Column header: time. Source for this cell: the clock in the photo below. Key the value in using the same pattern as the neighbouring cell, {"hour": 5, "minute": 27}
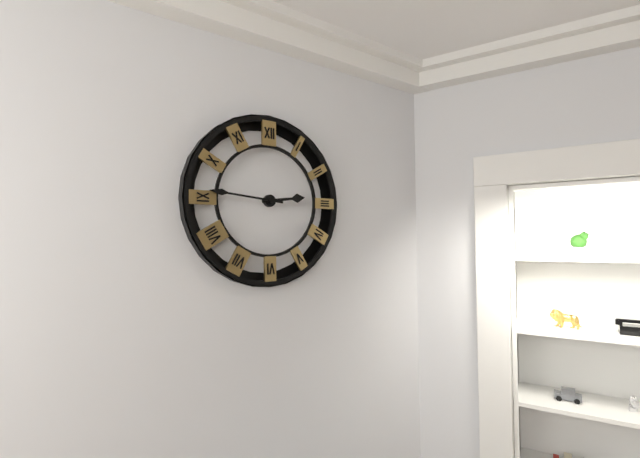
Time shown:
{"hour": 2, "minute": 46}
